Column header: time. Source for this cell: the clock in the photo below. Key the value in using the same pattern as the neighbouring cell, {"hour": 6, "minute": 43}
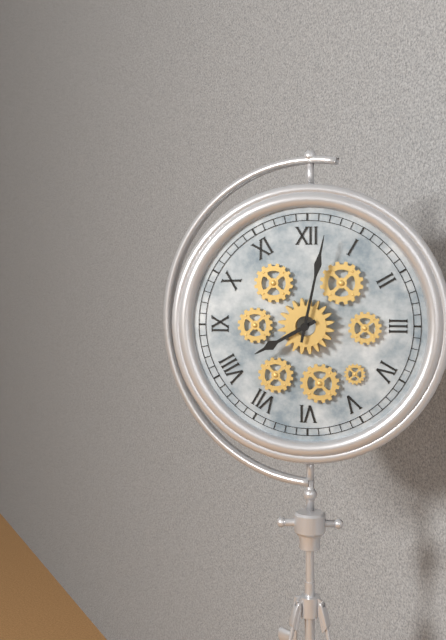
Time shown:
{"hour": 8, "minute": 2}
